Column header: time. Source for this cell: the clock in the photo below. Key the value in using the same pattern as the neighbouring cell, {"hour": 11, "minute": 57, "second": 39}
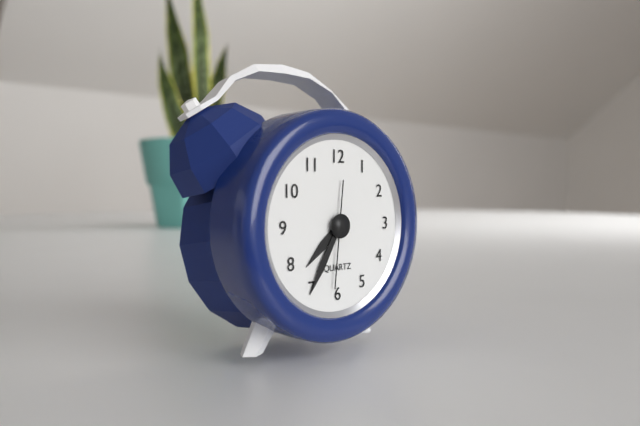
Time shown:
{"hour": 7, "minute": 35, "second": 31}
